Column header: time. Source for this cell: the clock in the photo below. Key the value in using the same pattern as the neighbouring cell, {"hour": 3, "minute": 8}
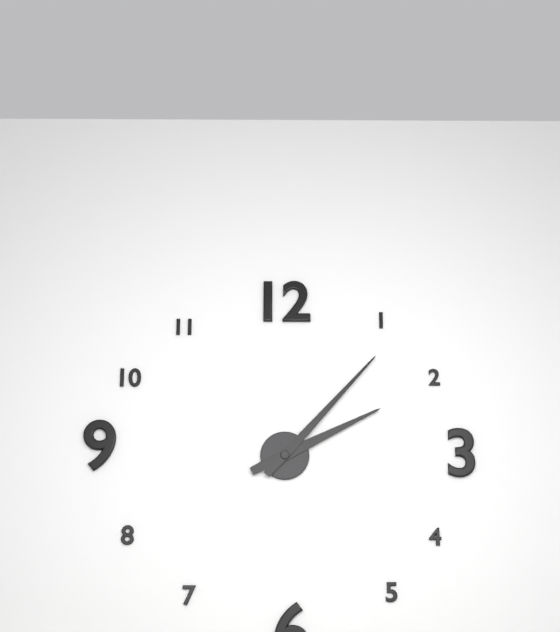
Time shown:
{"hour": 2, "minute": 7}
